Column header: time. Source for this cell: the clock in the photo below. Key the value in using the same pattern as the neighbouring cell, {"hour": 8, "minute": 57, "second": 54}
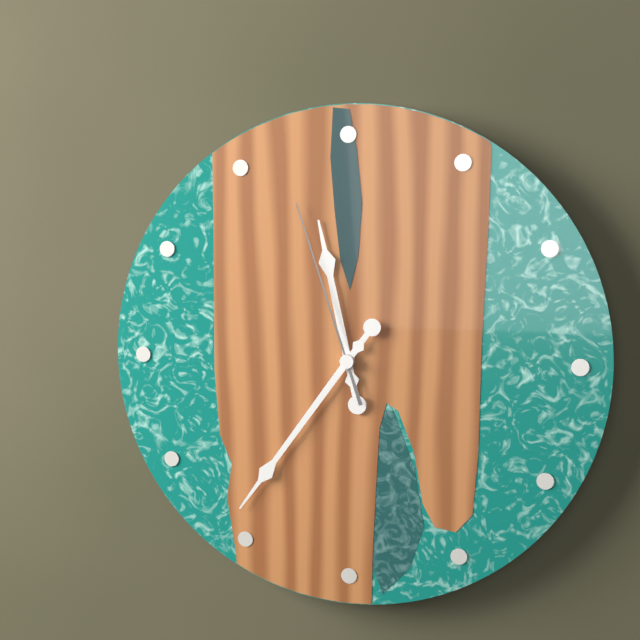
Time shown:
{"hour": 11, "minute": 36, "second": 57}
